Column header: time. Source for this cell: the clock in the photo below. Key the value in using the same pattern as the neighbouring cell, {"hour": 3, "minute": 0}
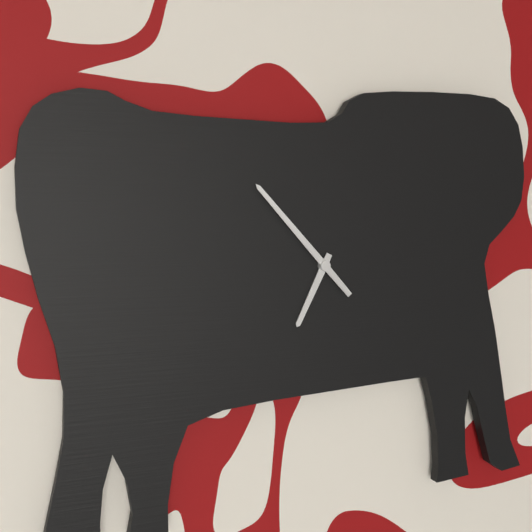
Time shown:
{"hour": 6, "minute": 53}
